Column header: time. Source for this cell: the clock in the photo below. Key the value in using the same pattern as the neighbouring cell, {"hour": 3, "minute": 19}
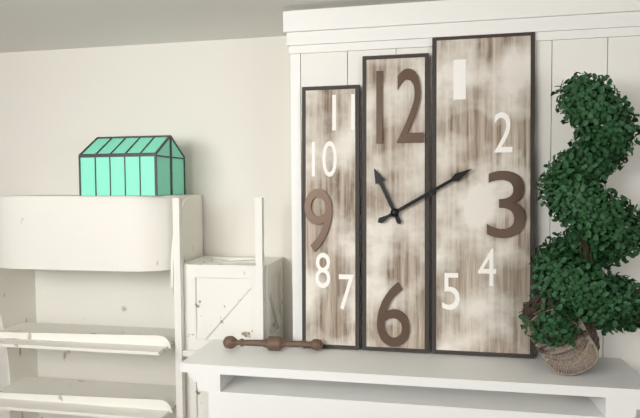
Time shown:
{"hour": 11, "minute": 10}
